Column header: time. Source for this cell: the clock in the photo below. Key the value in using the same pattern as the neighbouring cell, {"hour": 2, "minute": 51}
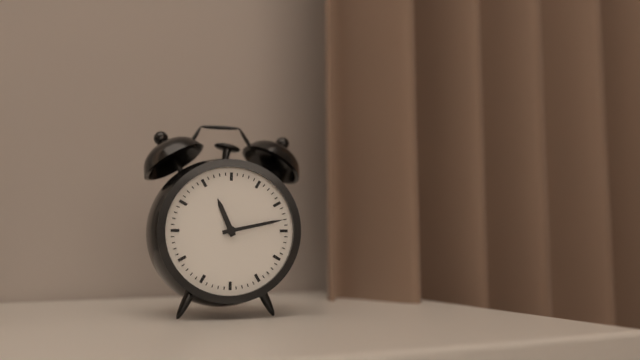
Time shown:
{"hour": 11, "minute": 13}
